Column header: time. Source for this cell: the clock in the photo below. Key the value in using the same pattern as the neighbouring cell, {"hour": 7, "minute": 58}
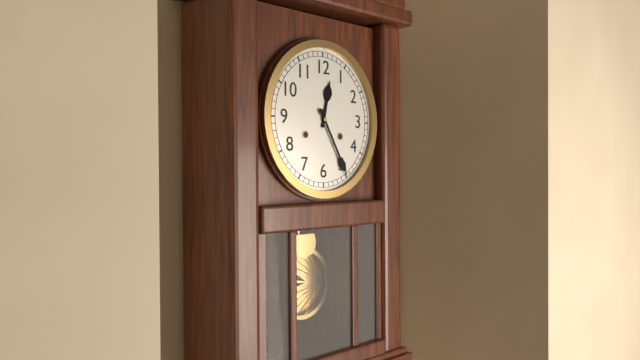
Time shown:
{"hour": 12, "minute": 25}
